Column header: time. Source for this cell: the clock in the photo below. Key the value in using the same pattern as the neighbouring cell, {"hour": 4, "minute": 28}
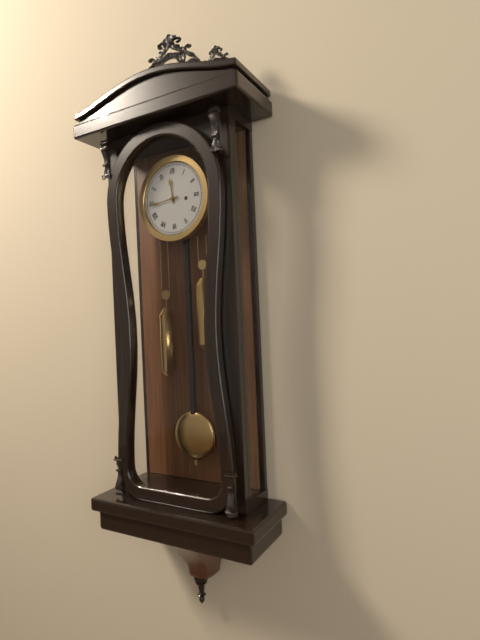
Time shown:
{"hour": 11, "minute": 44}
